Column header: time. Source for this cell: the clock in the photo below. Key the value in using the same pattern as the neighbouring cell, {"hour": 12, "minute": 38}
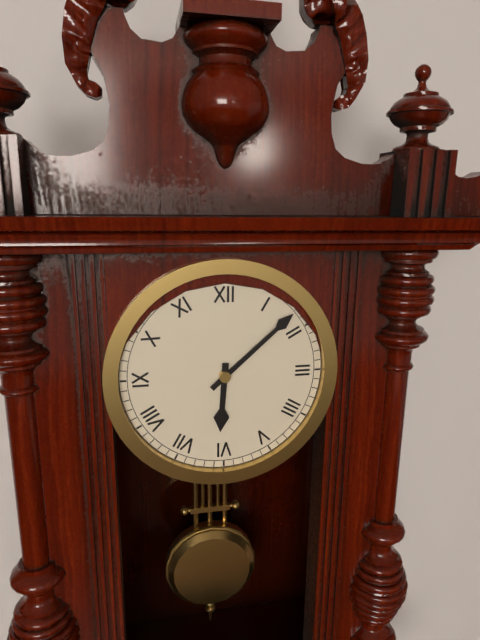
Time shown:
{"hour": 6, "minute": 8}
